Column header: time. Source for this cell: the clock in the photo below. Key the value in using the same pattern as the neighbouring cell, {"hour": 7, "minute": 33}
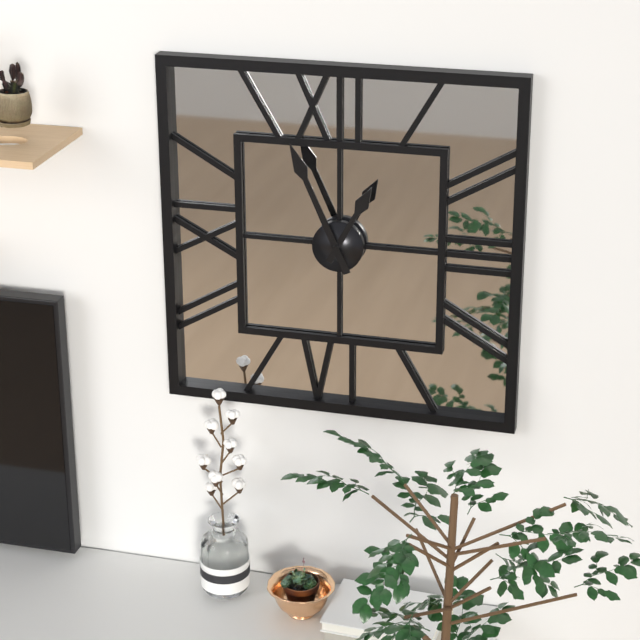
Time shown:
{"hour": 12, "minute": 56}
